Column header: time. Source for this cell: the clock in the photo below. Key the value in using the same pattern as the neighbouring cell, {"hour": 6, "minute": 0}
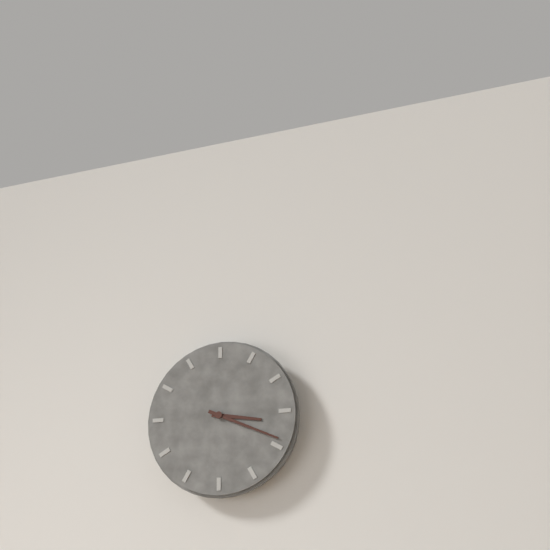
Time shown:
{"hour": 3, "minute": 19}
